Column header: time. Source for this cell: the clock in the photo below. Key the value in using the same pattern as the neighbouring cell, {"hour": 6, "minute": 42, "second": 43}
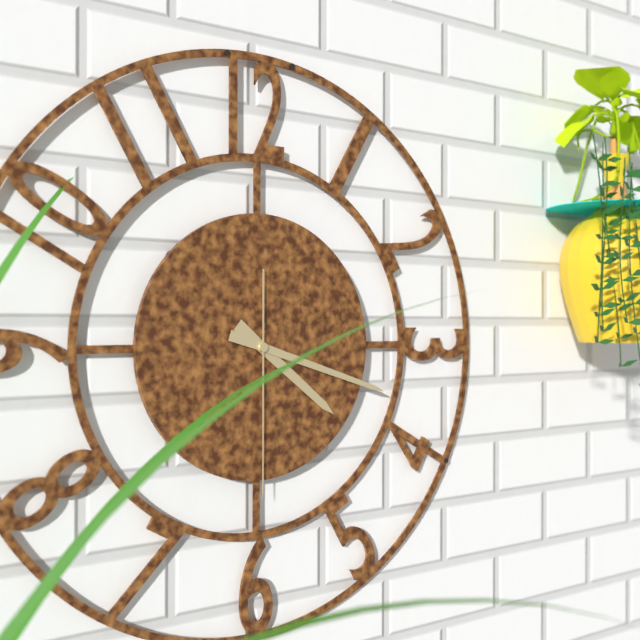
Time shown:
{"hour": 4, "minute": 18, "second": 30}
